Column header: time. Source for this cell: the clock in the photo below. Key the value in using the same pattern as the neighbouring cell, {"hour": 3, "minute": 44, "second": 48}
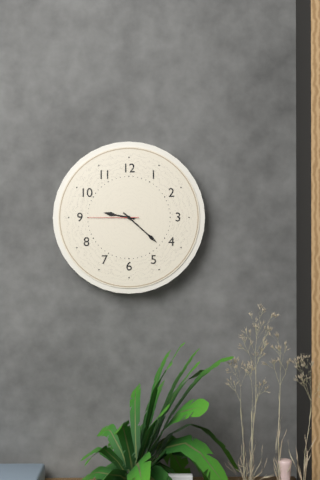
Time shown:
{"hour": 9, "minute": 22, "second": 45}
